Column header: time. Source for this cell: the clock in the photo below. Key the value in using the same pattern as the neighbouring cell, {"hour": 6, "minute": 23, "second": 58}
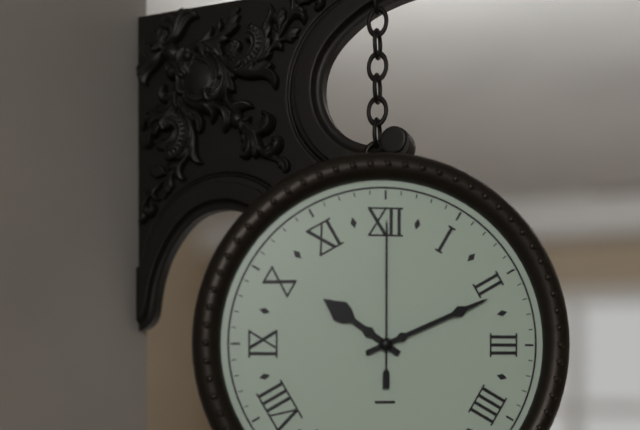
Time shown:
{"hour": 10, "minute": 11, "second": 0}
